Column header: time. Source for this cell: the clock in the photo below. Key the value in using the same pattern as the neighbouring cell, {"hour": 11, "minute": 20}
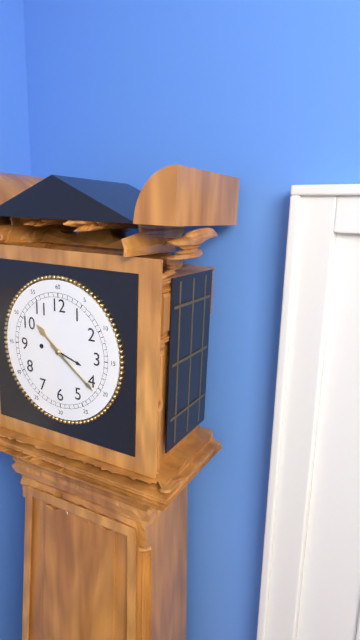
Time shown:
{"hour": 10, "minute": 21}
